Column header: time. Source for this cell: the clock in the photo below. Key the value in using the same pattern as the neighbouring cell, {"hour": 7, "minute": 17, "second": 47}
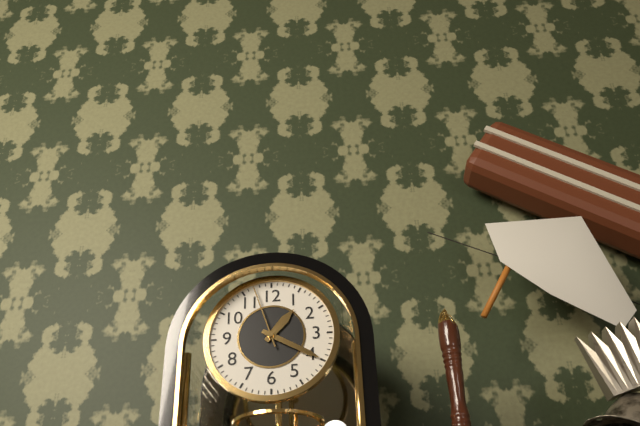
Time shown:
{"hour": 1, "minute": 20, "second": 57}
